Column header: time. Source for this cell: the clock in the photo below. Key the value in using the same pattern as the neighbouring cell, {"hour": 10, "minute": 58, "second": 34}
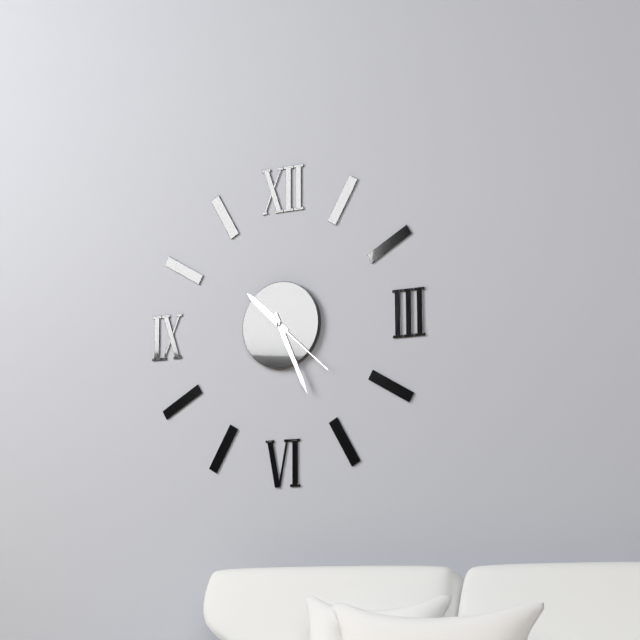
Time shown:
{"hour": 10, "minute": 26, "second": 22}
